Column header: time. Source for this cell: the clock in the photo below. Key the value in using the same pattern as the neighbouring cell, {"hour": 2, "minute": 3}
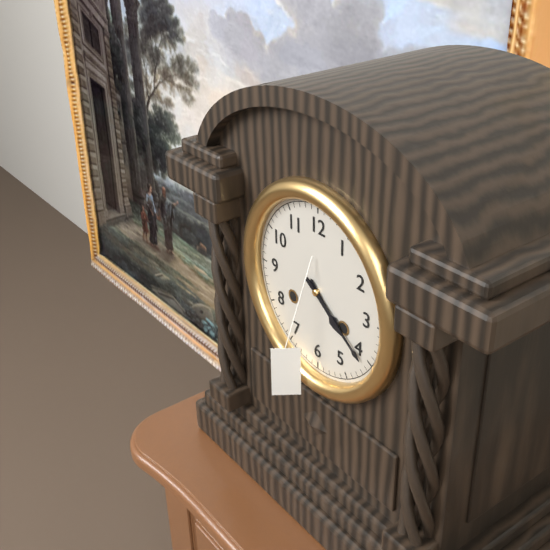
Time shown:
{"hour": 4, "minute": 21}
